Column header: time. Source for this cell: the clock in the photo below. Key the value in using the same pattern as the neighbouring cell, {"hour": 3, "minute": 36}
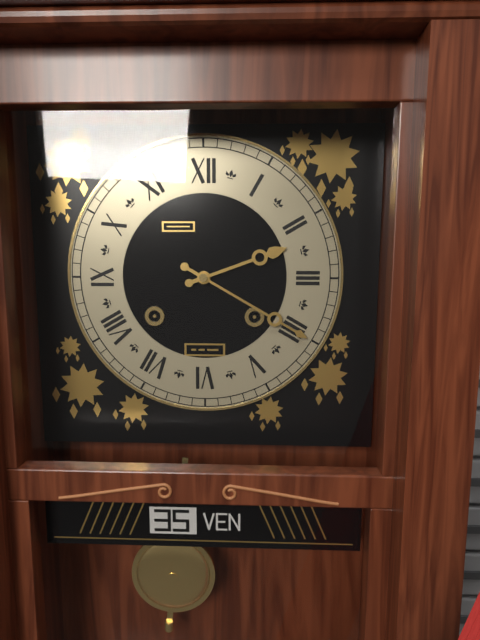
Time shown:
{"hour": 2, "minute": 20}
